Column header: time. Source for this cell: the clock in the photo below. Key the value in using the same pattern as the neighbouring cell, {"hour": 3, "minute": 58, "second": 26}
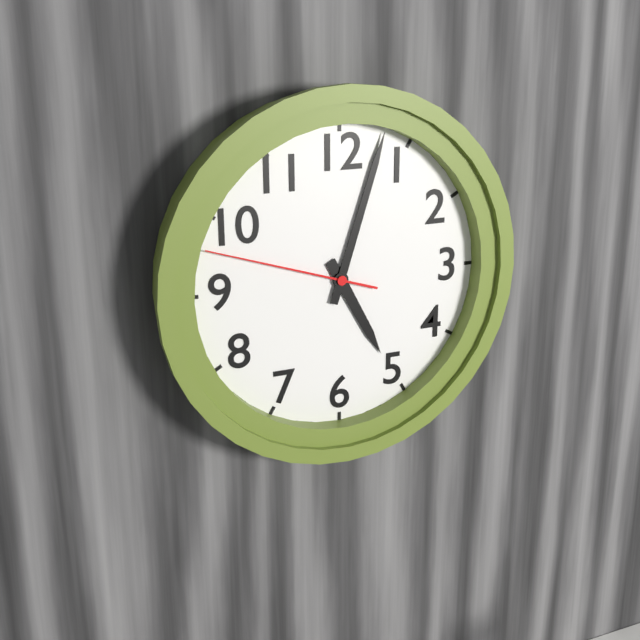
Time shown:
{"hour": 5, "minute": 3, "second": 48}
